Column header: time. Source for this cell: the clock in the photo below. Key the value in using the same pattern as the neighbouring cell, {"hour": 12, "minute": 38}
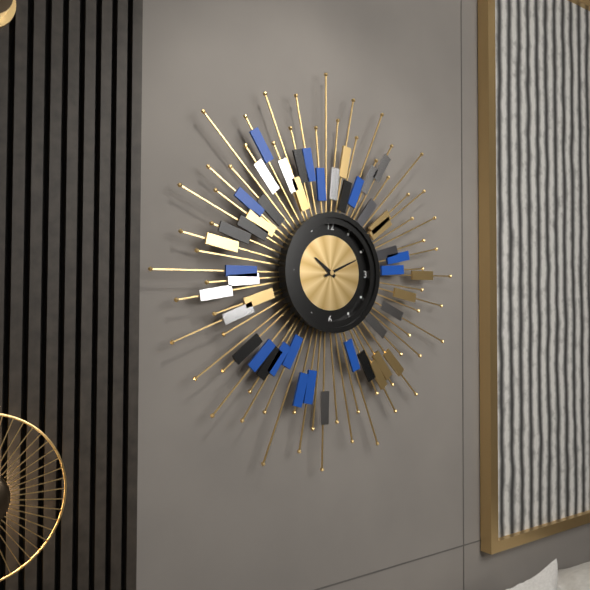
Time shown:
{"hour": 10, "minute": 11}
